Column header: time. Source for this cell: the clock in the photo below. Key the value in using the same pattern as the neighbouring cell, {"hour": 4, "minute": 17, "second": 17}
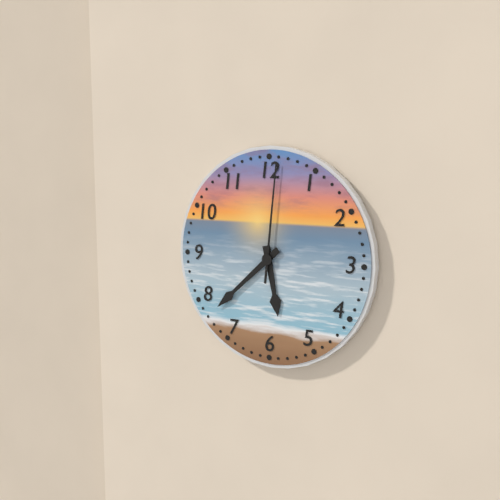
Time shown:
{"hour": 5, "minute": 38, "second": 1}
